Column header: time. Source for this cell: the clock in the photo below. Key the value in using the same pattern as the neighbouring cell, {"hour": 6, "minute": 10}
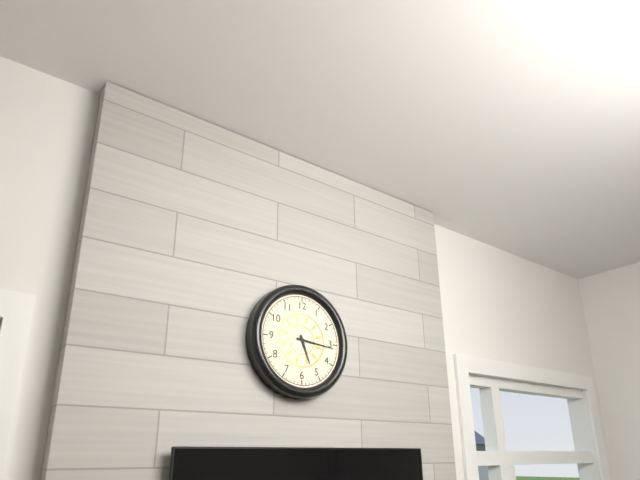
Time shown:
{"hour": 5, "minute": 16}
